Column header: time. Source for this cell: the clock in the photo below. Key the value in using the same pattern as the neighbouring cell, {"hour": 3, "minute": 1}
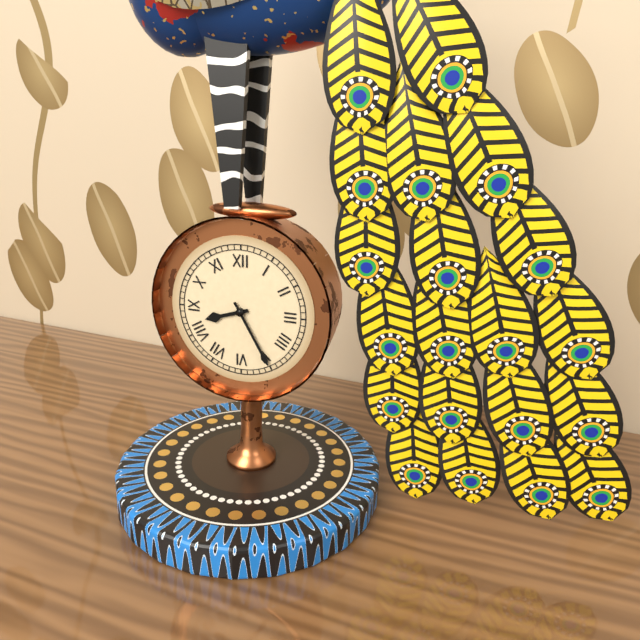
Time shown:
{"hour": 8, "minute": 25}
